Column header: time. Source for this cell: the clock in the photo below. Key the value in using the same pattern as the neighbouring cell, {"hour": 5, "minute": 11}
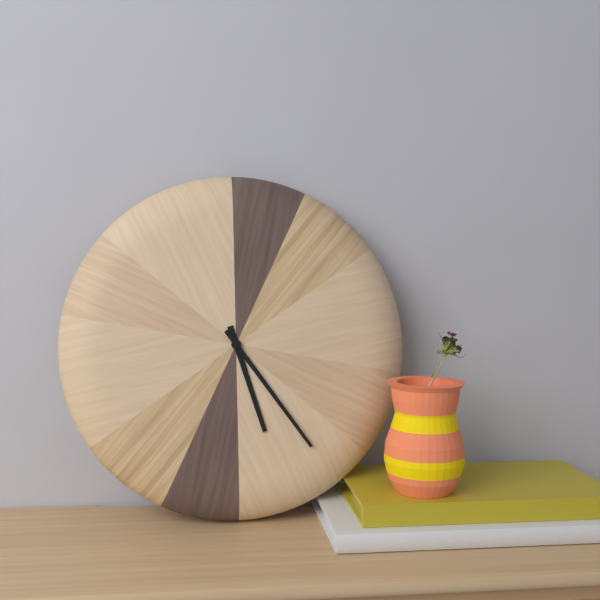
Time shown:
{"hour": 5, "minute": 24}
